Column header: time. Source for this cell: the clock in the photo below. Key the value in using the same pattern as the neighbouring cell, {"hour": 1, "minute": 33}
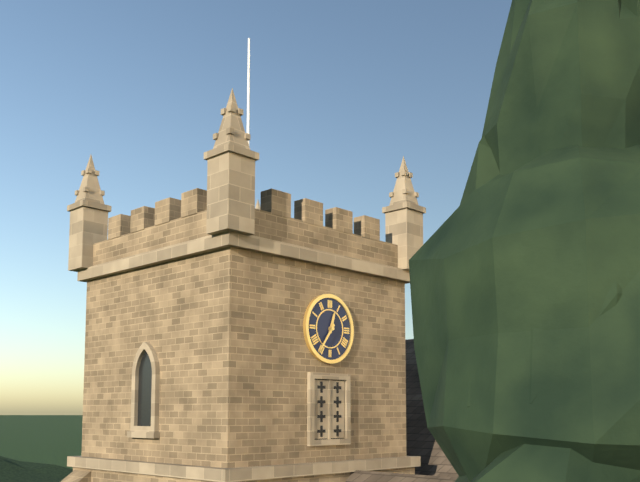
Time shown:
{"hour": 12, "minute": 36}
